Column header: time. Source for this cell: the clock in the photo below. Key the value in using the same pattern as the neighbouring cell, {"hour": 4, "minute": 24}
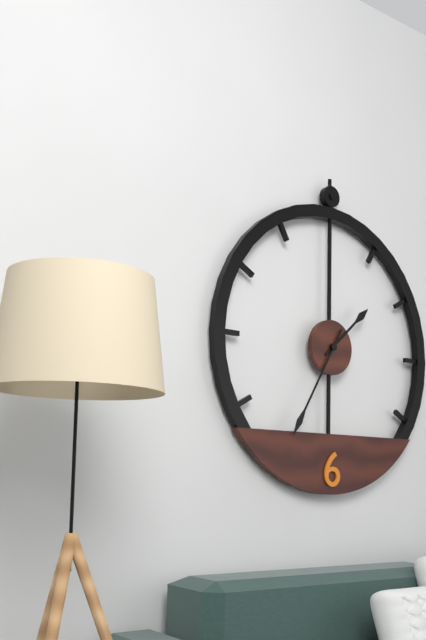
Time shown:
{"hour": 1, "minute": 35}
